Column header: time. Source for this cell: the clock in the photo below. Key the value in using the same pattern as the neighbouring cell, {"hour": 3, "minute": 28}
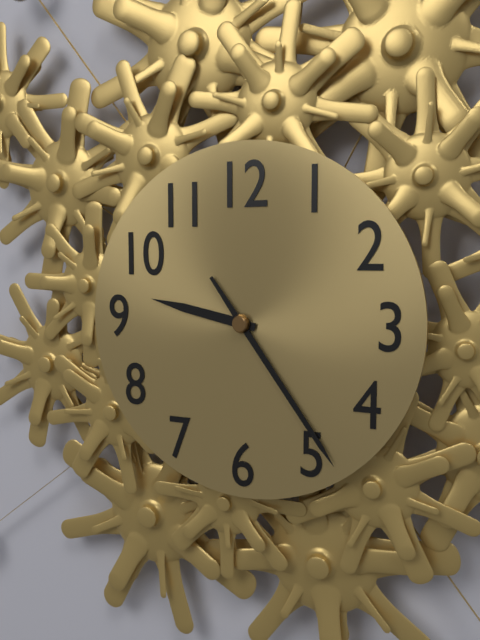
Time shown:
{"hour": 9, "minute": 24}
